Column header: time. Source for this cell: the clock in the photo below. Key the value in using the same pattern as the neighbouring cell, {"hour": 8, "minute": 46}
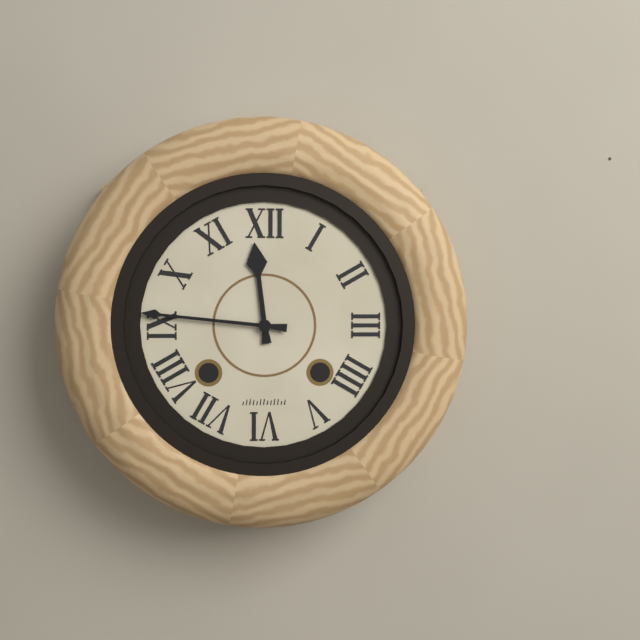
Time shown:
{"hour": 11, "minute": 46}
